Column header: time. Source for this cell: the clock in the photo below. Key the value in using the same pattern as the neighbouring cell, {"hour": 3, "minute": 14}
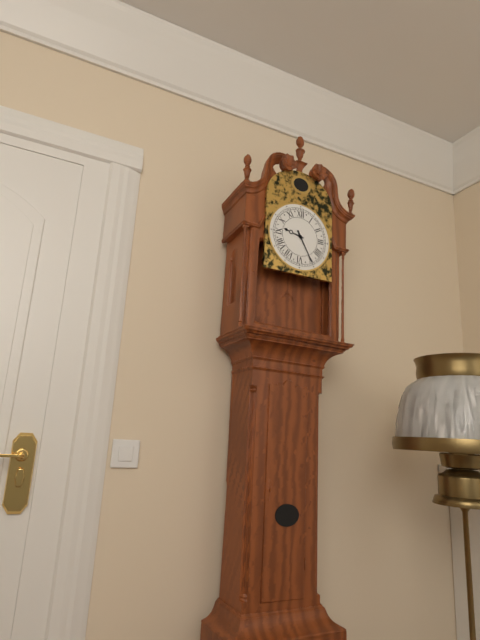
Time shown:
{"hour": 9, "minute": 25}
